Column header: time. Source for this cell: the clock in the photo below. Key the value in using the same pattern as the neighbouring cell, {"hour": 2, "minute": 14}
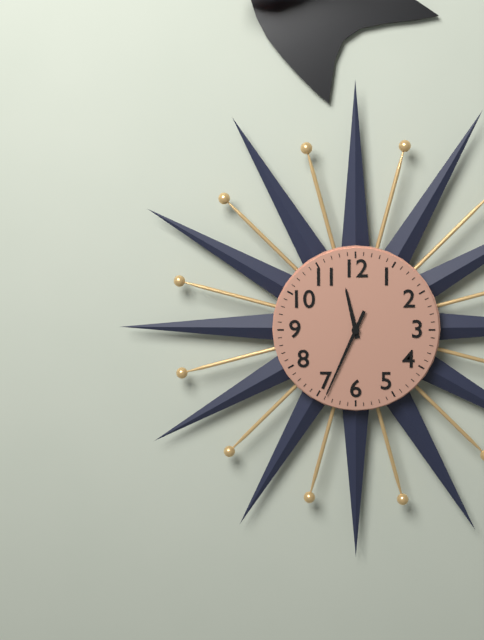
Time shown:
{"hour": 11, "minute": 34}
